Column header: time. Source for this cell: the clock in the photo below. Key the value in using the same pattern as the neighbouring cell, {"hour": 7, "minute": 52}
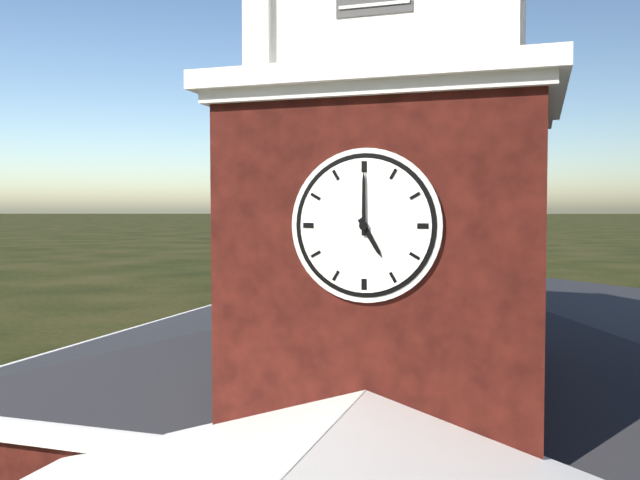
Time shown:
{"hour": 5, "minute": 0}
